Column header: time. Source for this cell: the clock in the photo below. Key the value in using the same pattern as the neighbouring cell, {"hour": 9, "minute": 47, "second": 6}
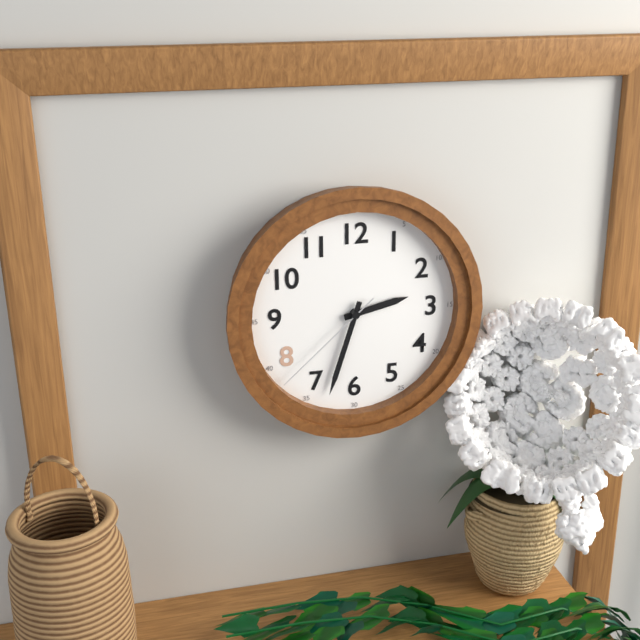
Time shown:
{"hour": 2, "minute": 33, "second": 38}
